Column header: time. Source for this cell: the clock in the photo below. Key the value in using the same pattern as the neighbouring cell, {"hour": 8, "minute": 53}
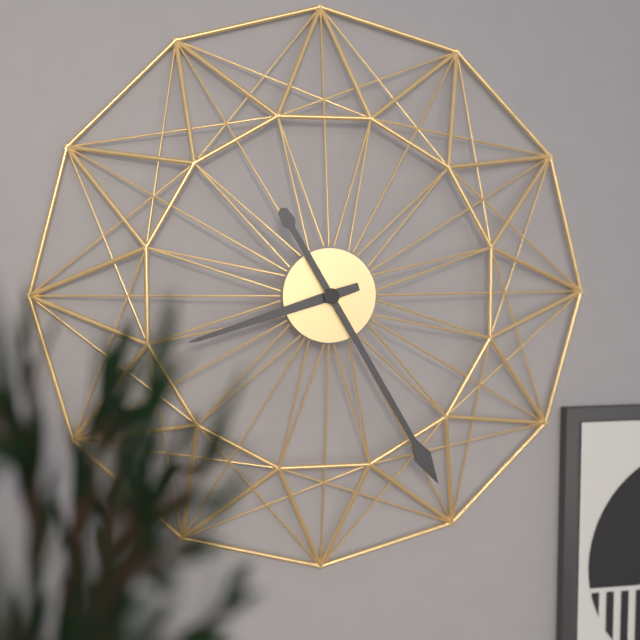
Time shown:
{"hour": 8, "minute": 25}
